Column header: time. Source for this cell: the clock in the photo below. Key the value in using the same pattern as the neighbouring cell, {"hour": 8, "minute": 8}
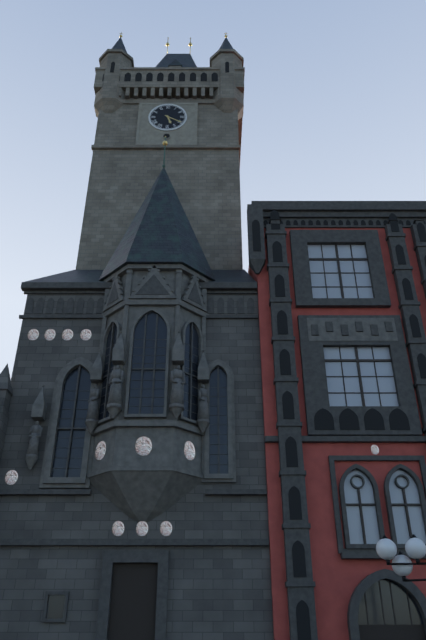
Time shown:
{"hour": 5, "minute": 20}
